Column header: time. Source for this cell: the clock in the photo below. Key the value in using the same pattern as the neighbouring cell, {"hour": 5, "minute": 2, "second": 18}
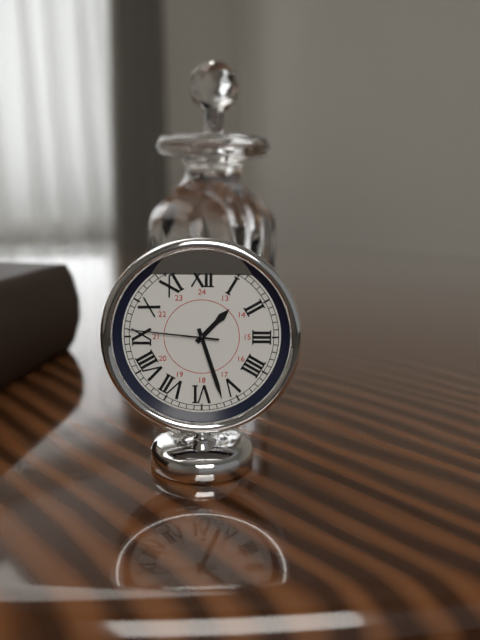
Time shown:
{"hour": 1, "minute": 27, "second": 46}
